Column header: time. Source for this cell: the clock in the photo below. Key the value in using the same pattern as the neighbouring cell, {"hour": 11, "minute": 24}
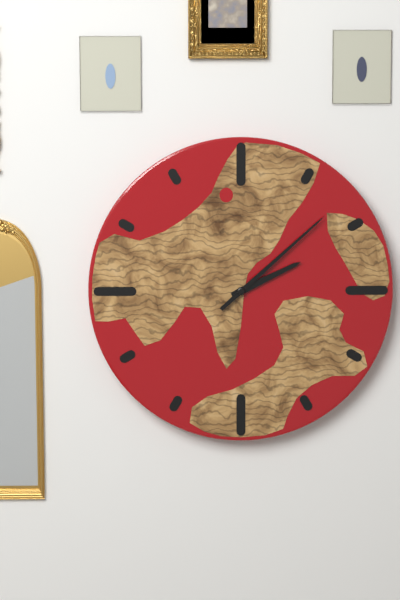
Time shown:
{"hour": 2, "minute": 8}
